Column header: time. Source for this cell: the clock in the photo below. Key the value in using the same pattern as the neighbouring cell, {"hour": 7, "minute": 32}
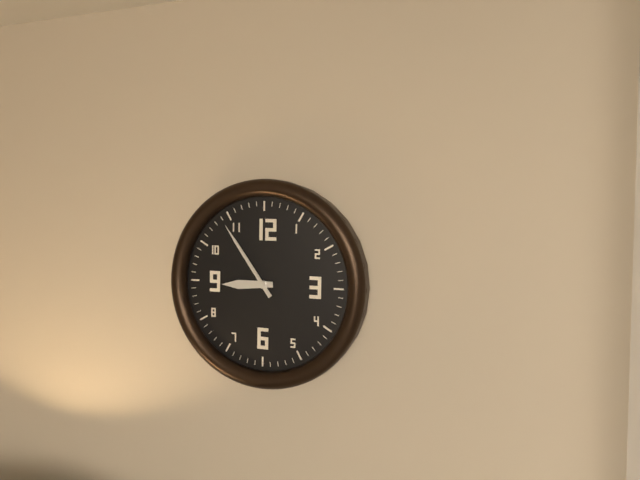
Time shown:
{"hour": 8, "minute": 54}
